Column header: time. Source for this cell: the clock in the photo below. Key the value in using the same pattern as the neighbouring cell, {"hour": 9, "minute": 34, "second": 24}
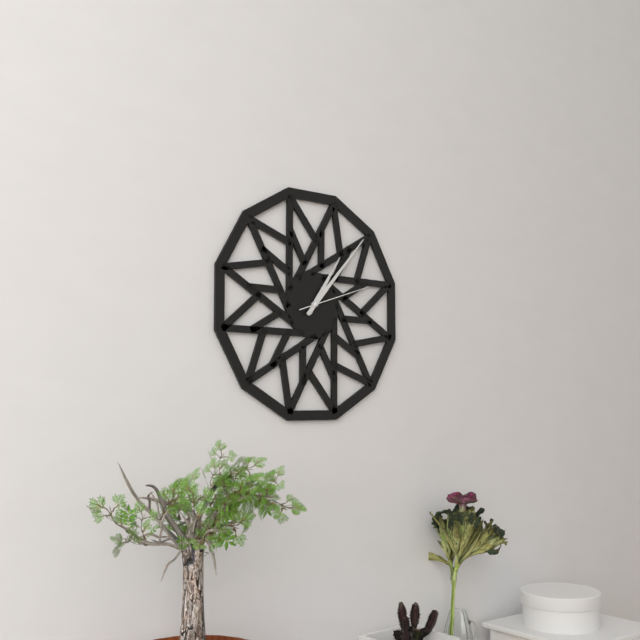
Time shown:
{"hour": 1, "minute": 7, "second": 12}
